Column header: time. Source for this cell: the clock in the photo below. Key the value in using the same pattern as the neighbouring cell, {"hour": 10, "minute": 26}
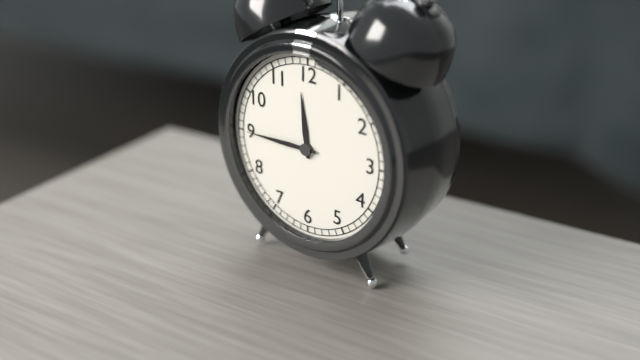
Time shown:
{"hour": 11, "minute": 45}
